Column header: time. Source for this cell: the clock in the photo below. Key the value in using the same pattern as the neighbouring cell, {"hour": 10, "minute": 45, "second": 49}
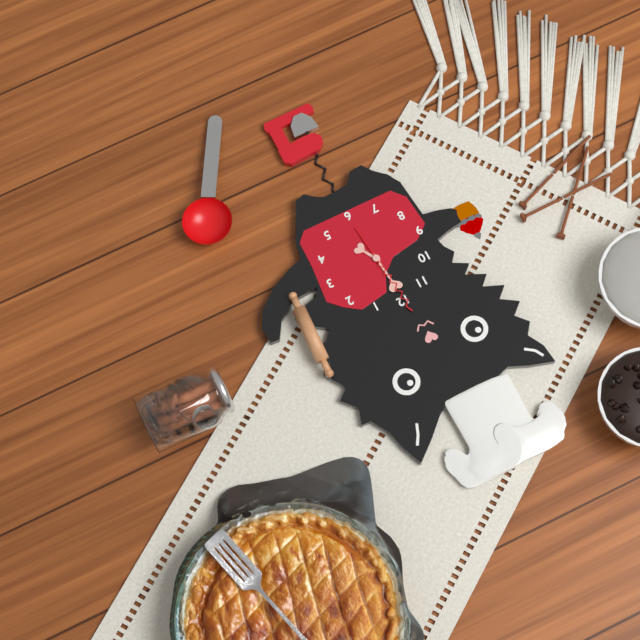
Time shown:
{"hour": 4, "minute": 59, "second": 59}
